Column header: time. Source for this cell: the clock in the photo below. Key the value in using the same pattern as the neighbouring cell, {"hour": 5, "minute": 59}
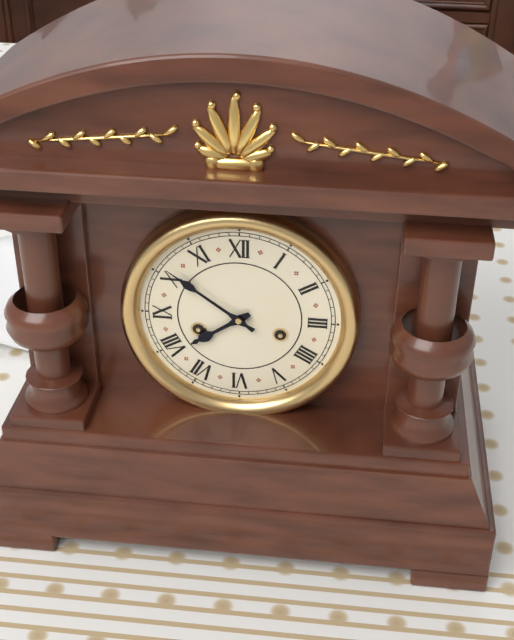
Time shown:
{"hour": 7, "minute": 51}
